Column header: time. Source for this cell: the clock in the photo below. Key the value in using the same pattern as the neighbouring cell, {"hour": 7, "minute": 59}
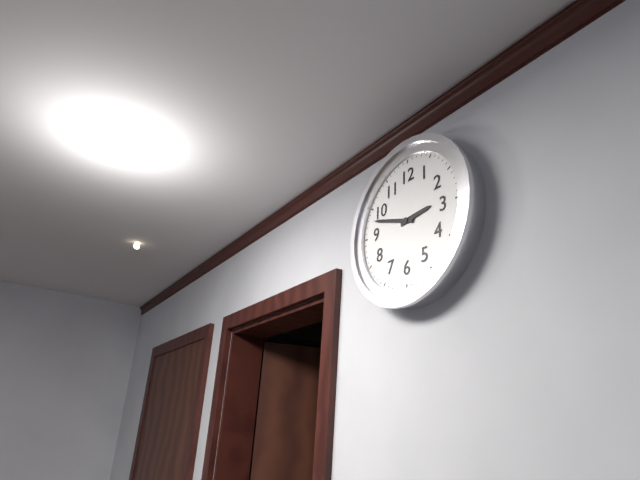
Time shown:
{"hour": 2, "minute": 48}
